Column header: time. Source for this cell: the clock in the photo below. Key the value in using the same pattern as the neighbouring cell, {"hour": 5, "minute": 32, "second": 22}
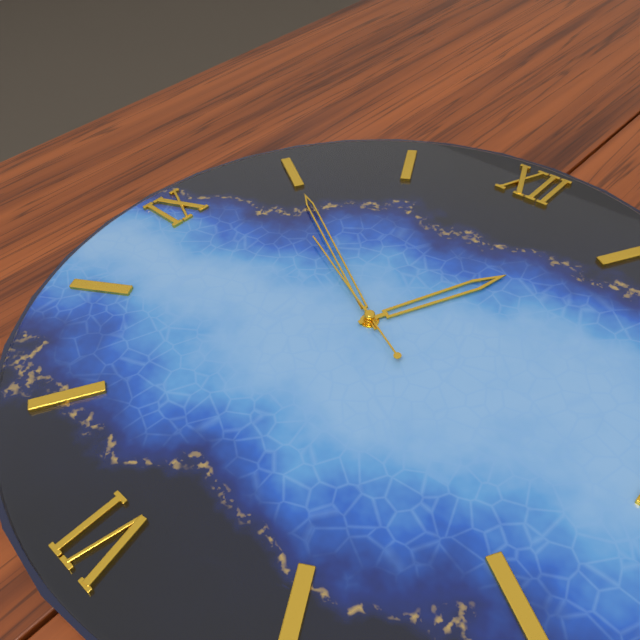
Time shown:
{"hour": 12, "minute": 50, "second": 49}
